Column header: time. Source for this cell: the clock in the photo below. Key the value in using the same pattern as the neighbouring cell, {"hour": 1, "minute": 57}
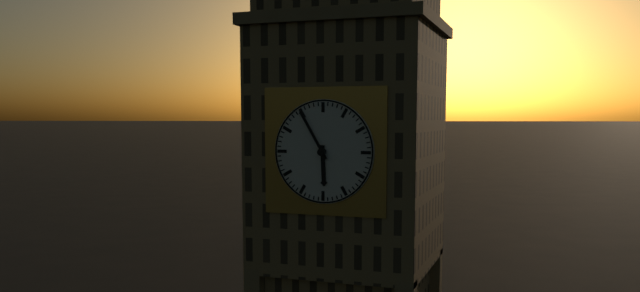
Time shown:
{"hour": 5, "minute": 55}
